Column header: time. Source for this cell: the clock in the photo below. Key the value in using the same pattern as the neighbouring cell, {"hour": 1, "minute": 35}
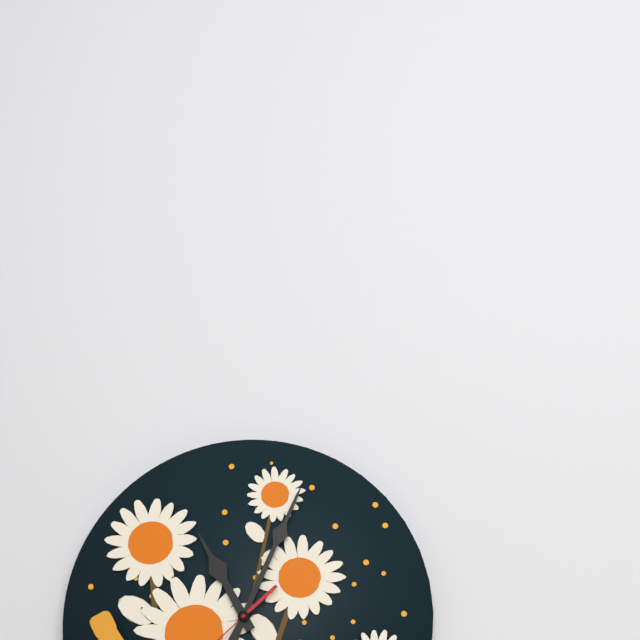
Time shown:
{"hour": 11, "minute": 4}
